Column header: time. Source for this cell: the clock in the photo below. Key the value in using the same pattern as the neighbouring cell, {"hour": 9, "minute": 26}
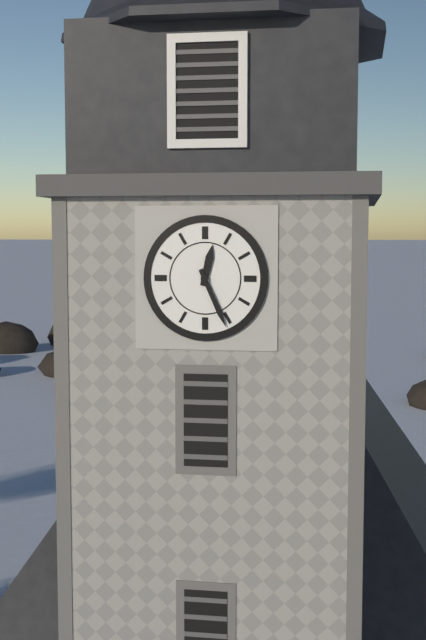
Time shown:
{"hour": 12, "minute": 26}
